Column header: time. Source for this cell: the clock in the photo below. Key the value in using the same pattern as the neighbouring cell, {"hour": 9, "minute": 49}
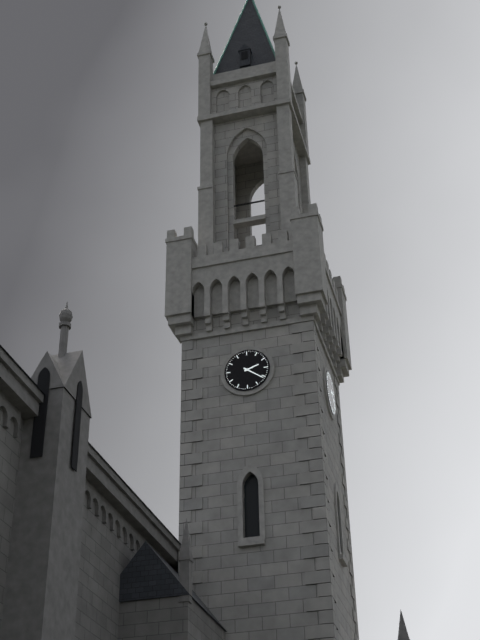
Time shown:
{"hour": 2, "minute": 21}
